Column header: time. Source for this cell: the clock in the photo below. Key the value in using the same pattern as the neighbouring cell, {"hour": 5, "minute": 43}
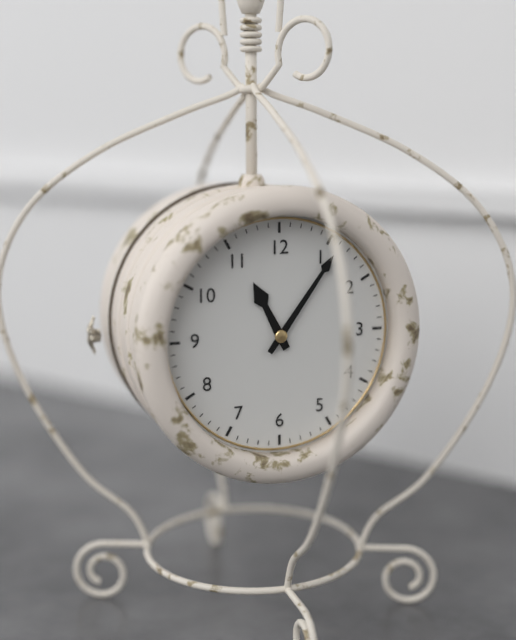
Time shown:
{"hour": 11, "minute": 6}
